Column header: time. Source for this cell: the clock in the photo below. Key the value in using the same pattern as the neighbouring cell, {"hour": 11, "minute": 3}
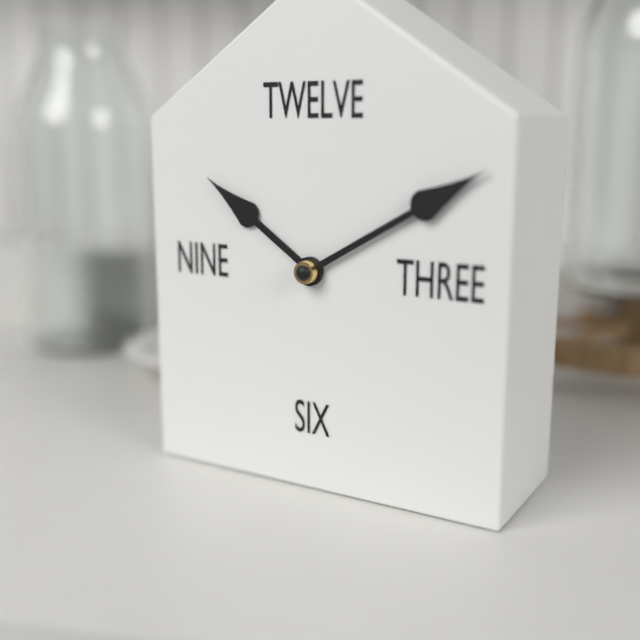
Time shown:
{"hour": 10, "minute": 10}
